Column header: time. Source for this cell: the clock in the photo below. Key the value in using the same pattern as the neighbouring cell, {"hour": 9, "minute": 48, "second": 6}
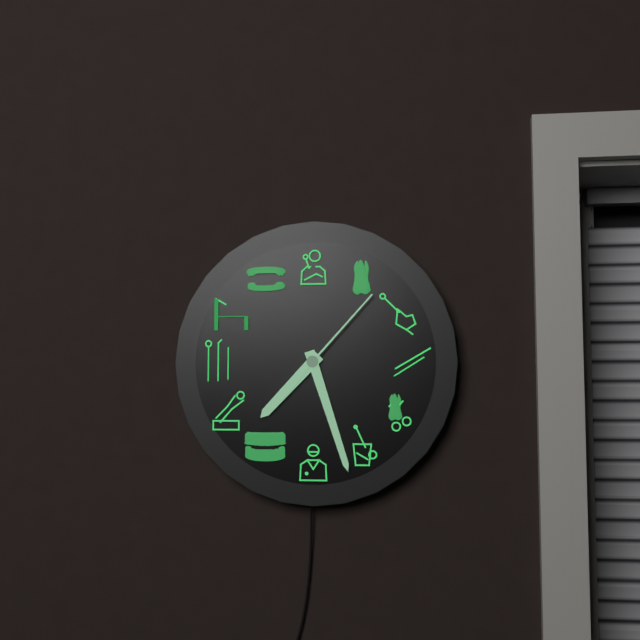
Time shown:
{"hour": 7, "minute": 27, "second": 7}
